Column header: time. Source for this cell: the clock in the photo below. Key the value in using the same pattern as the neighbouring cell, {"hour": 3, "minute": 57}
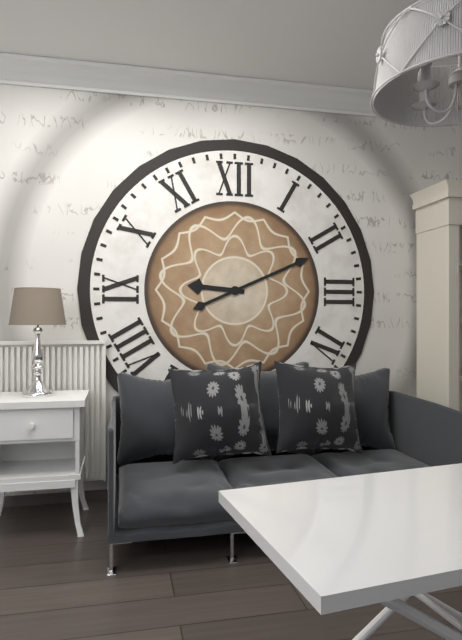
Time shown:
{"hour": 9, "minute": 11}
